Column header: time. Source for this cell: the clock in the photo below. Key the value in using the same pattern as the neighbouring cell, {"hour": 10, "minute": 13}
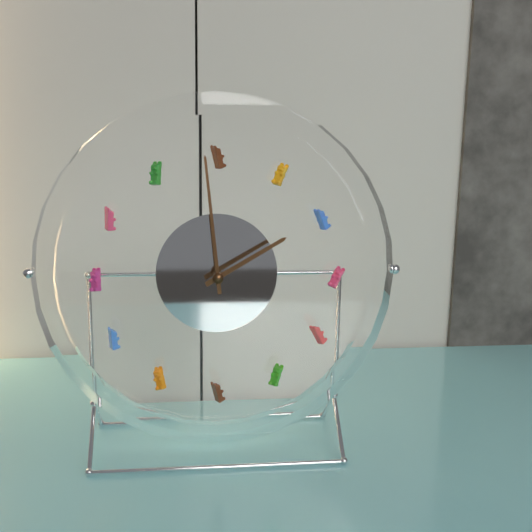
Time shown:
{"hour": 1, "minute": 59}
